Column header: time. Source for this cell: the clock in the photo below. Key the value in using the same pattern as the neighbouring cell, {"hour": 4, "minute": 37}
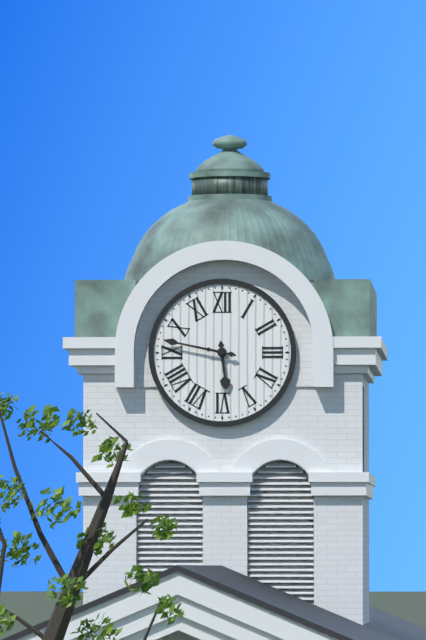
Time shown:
{"hour": 5, "minute": 47}
